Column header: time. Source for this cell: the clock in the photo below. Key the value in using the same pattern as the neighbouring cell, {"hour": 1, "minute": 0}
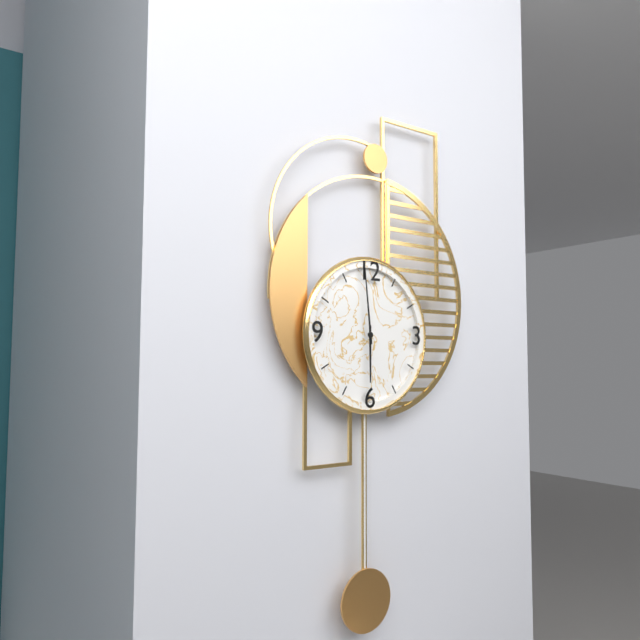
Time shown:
{"hour": 5, "minute": 59}
